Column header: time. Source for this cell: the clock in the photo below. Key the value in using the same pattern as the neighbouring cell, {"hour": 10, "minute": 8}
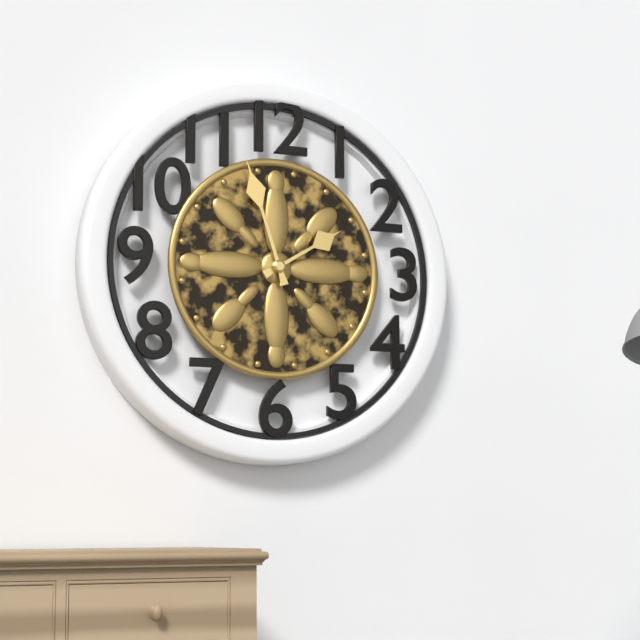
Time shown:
{"hour": 1, "minute": 57}
